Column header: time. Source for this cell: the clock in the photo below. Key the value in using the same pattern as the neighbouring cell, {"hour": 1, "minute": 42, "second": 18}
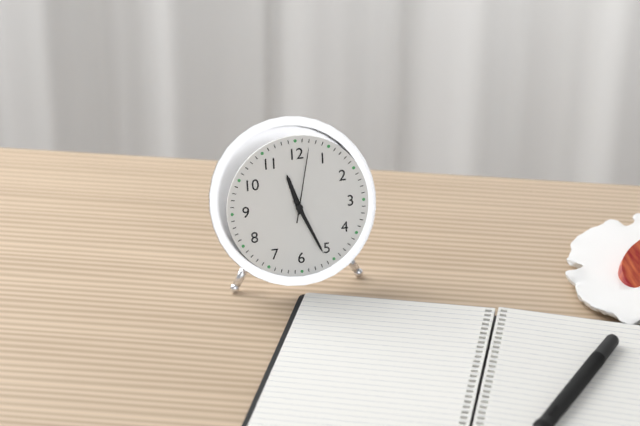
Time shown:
{"hour": 11, "minute": 26, "second": 2}
